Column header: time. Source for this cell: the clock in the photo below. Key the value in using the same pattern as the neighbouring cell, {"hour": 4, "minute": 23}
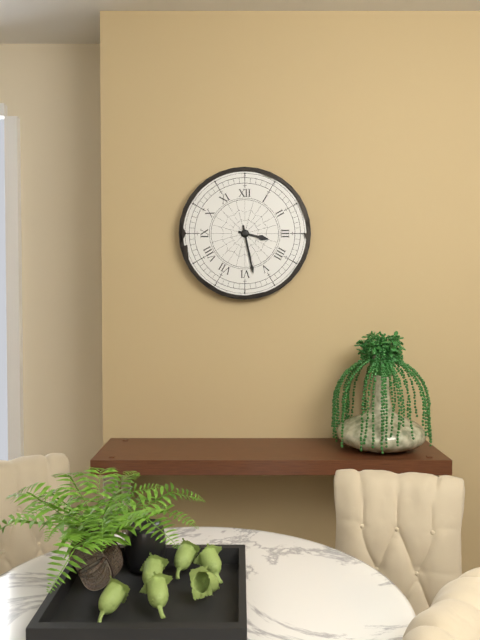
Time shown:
{"hour": 3, "minute": 28}
